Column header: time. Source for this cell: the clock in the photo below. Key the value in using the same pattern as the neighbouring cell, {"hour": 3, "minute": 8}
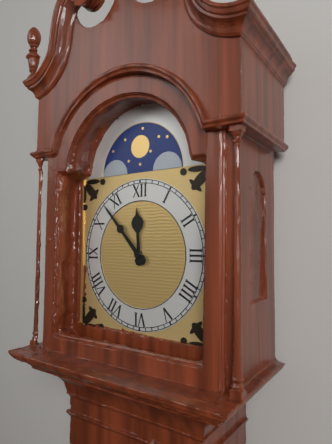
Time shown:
{"hour": 11, "minute": 53}
